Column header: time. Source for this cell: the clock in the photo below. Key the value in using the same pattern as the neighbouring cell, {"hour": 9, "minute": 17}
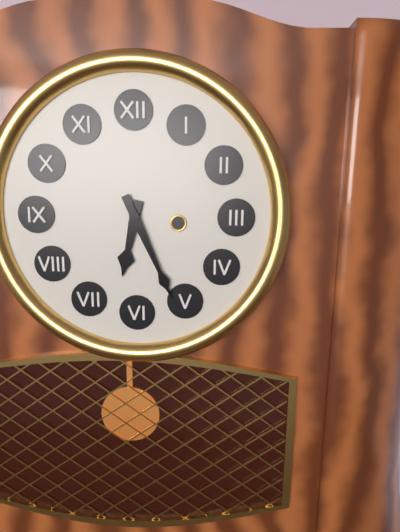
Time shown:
{"hour": 6, "minute": 26}
